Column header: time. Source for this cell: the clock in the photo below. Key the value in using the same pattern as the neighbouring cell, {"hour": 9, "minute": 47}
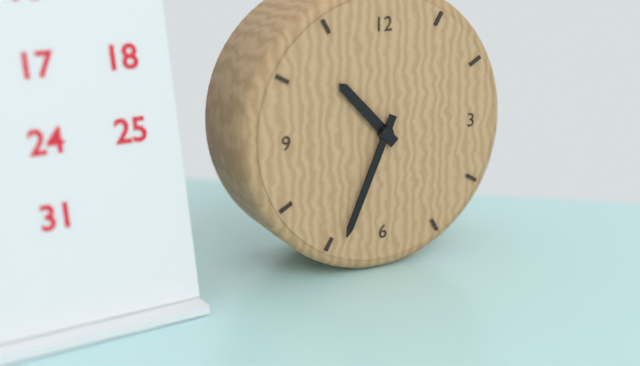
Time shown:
{"hour": 10, "minute": 34}
